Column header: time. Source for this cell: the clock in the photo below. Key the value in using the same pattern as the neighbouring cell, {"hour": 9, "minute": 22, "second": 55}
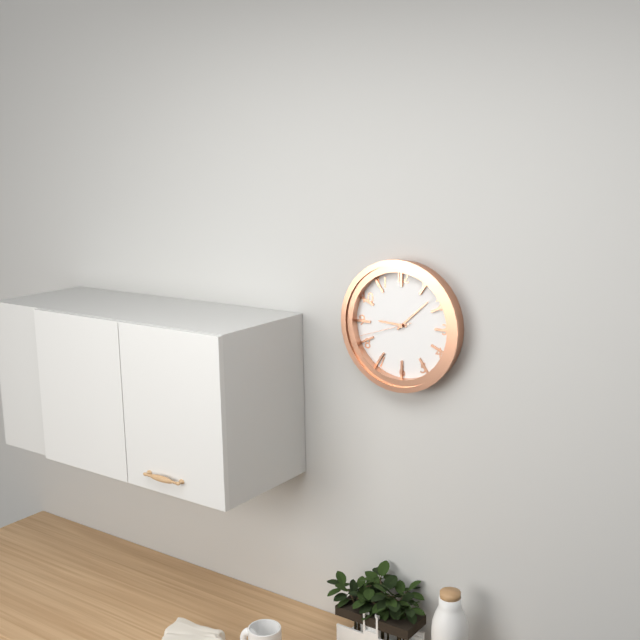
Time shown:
{"hour": 9, "minute": 8, "second": 42}
